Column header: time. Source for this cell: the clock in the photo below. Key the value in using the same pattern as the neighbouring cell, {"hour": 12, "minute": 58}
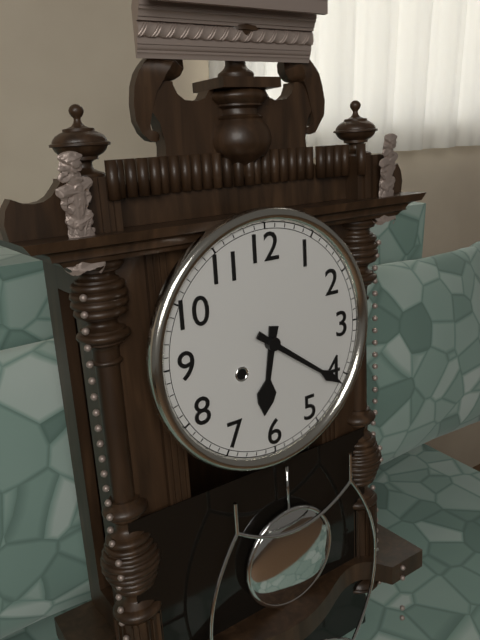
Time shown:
{"hour": 6, "minute": 21}
